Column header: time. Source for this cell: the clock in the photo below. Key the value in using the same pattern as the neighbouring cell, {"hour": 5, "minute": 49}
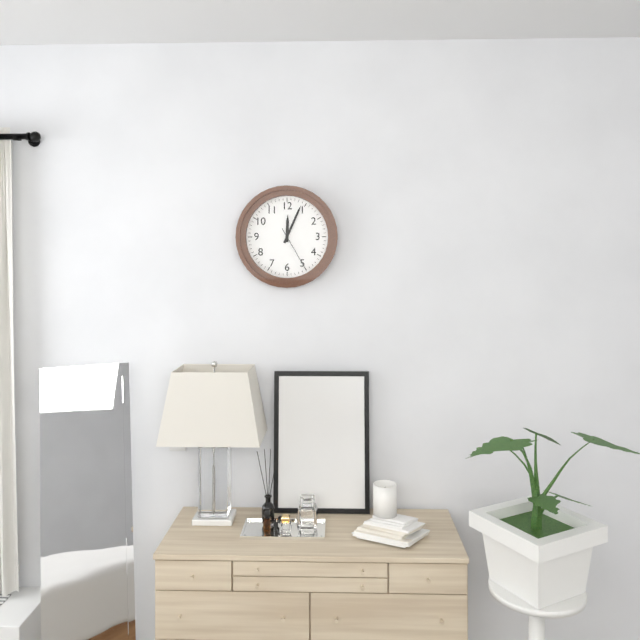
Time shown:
{"hour": 12, "minute": 4}
